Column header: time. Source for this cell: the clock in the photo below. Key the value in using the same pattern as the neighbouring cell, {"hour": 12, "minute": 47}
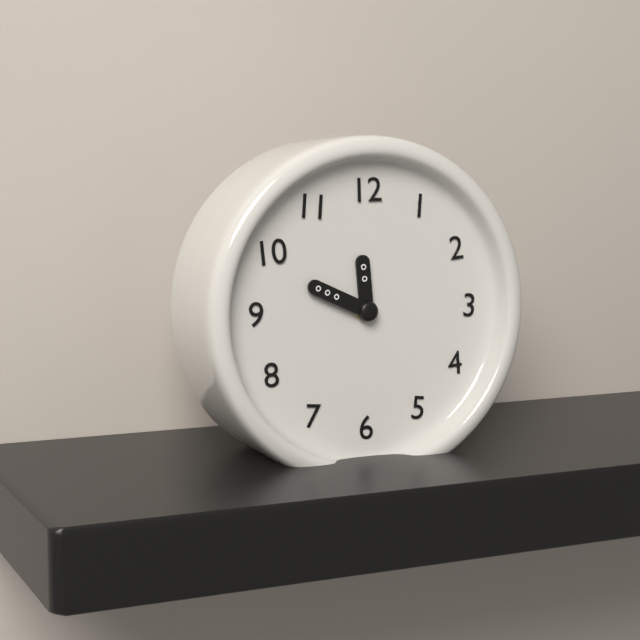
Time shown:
{"hour": 11, "minute": 49}
